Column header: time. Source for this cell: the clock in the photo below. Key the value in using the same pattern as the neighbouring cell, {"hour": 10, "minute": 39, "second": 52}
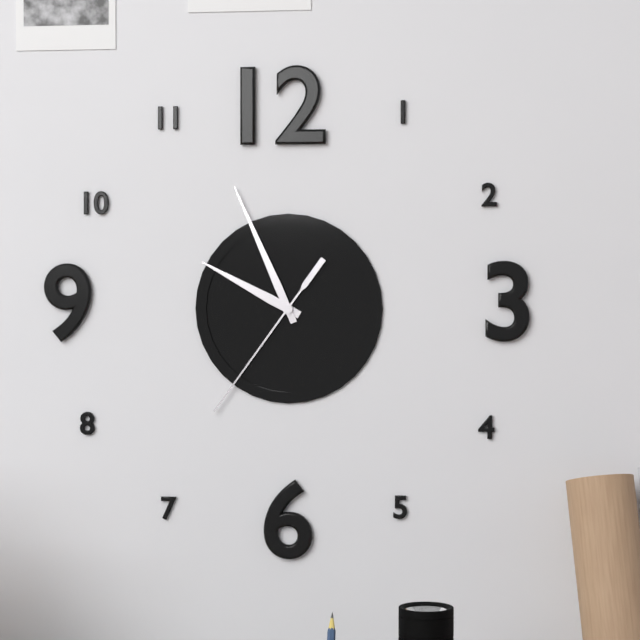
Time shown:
{"hour": 9, "minute": 56, "second": 36}
